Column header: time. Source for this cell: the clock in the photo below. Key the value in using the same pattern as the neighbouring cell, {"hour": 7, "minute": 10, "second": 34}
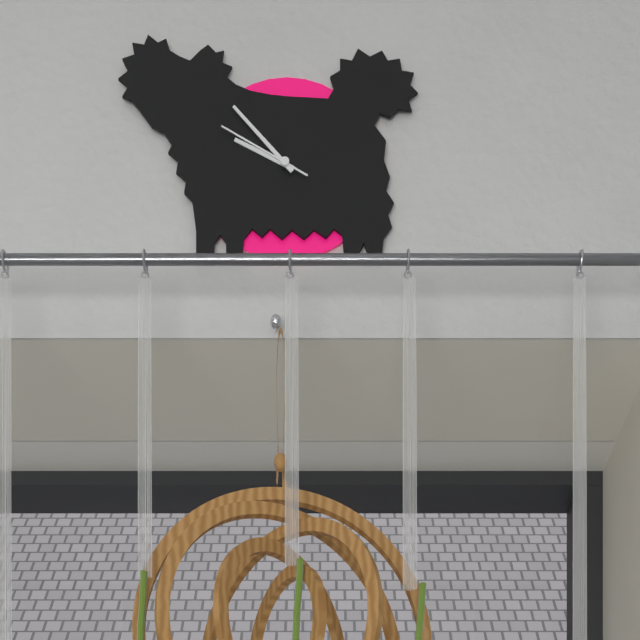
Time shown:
{"hour": 9, "minute": 53, "second": 50}
